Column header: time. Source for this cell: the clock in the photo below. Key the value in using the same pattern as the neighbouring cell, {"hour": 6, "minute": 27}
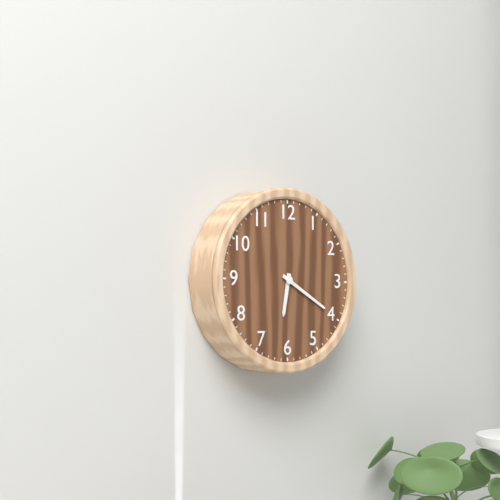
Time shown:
{"hour": 6, "minute": 20}
